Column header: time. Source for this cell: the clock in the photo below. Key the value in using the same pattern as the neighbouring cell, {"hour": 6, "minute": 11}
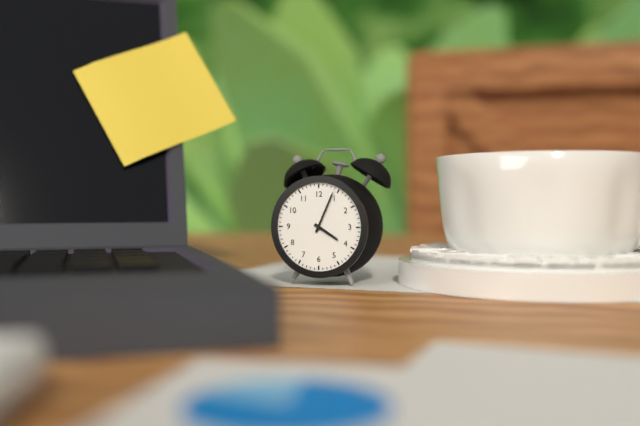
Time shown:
{"hour": 4, "minute": 4}
